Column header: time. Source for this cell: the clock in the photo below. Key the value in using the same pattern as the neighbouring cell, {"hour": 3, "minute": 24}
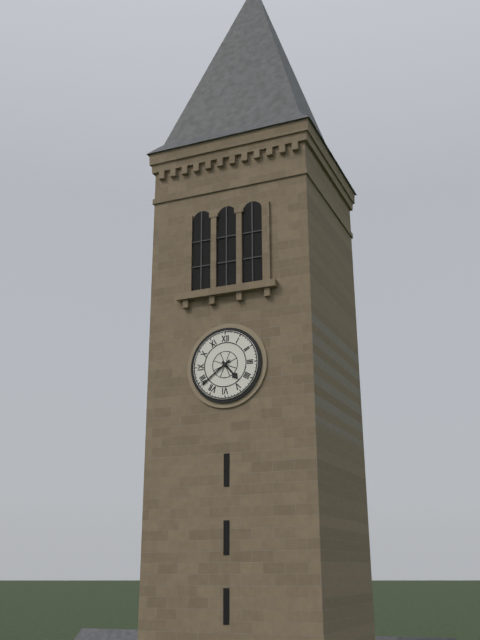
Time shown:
{"hour": 4, "minute": 39}
